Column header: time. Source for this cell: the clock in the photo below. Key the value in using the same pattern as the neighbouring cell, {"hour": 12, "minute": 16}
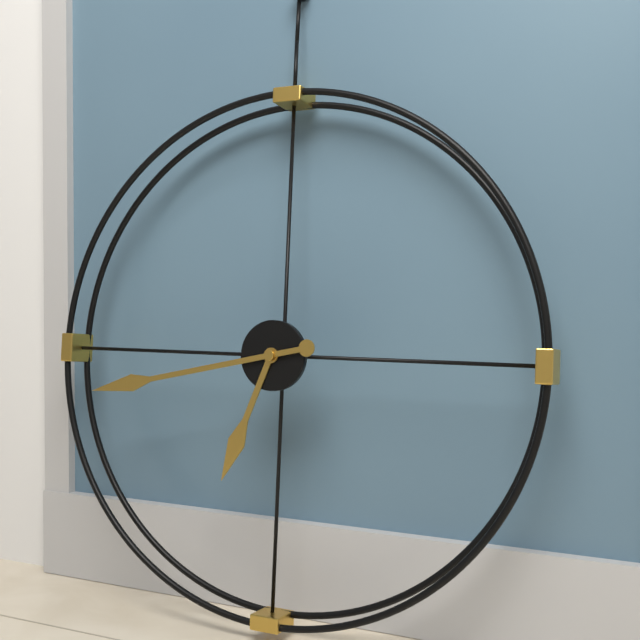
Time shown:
{"hour": 6, "minute": 43}
